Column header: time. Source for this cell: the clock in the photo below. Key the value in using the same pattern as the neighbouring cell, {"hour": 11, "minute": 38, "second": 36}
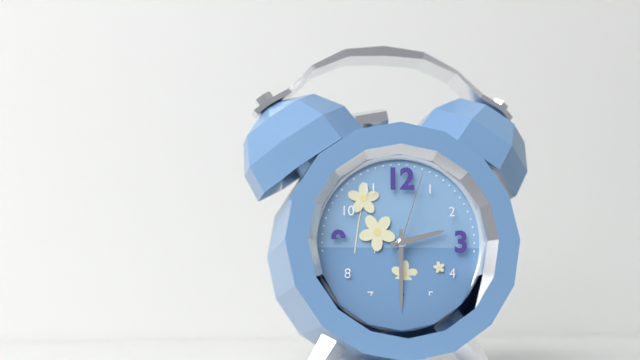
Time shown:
{"hour": 2, "minute": 30, "second": 3}
